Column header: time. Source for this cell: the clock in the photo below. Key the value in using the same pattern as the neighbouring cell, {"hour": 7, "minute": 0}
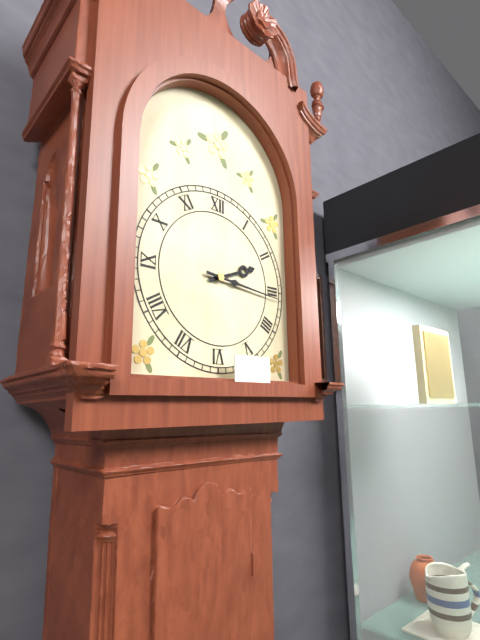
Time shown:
{"hour": 2, "minute": 16}
